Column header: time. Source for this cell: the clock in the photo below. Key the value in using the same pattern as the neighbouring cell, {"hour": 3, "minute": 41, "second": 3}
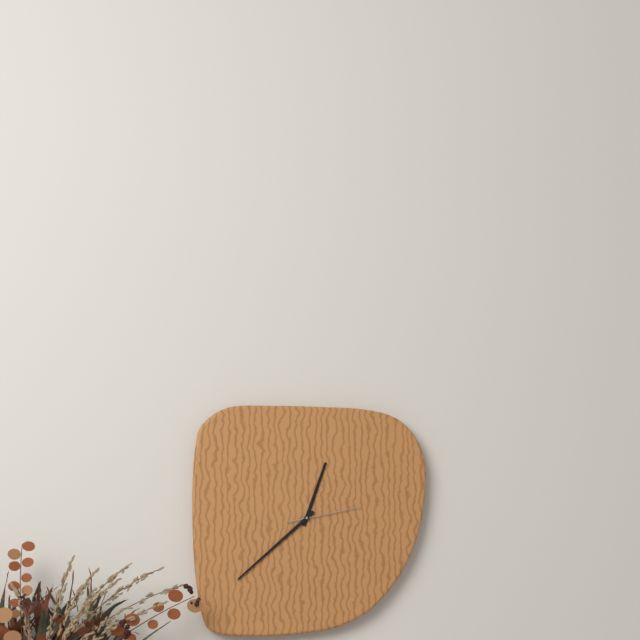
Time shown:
{"hour": 12, "minute": 38, "second": 13}
